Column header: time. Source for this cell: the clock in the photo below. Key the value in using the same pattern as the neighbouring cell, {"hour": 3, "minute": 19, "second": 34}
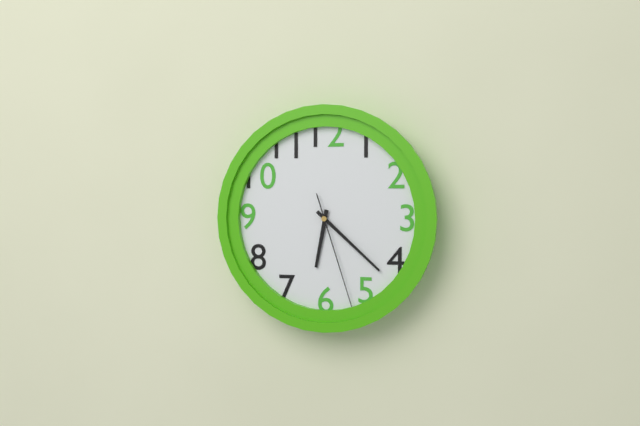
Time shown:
{"hour": 6, "minute": 22, "second": 27}
